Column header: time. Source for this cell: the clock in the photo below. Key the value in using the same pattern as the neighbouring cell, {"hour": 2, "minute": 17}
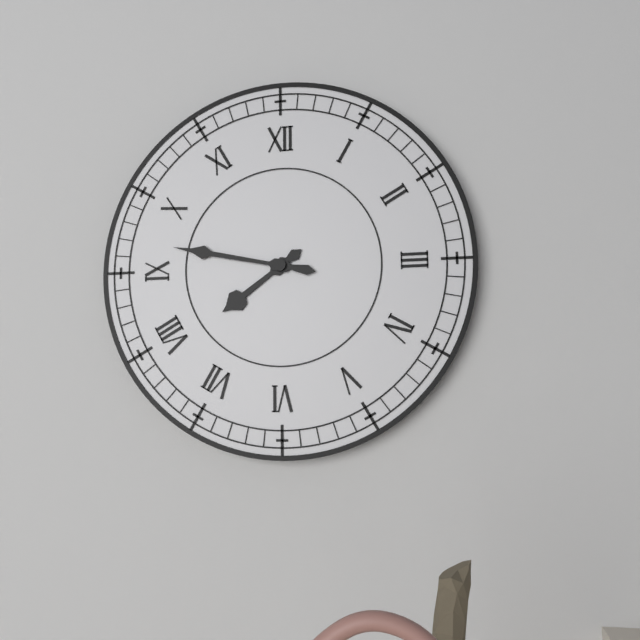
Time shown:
{"hour": 7, "minute": 47}
